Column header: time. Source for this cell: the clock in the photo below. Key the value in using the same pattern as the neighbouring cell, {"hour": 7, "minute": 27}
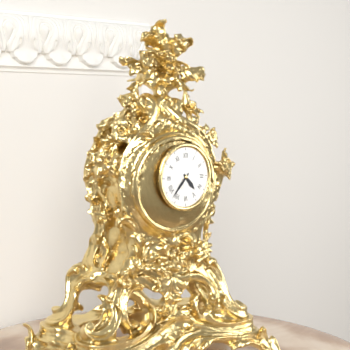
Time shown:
{"hour": 4, "minute": 37}
